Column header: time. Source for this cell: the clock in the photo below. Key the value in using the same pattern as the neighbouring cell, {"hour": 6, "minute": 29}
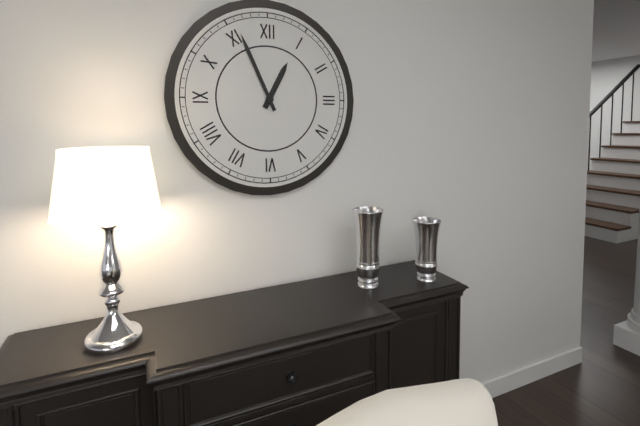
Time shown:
{"hour": 12, "minute": 56}
